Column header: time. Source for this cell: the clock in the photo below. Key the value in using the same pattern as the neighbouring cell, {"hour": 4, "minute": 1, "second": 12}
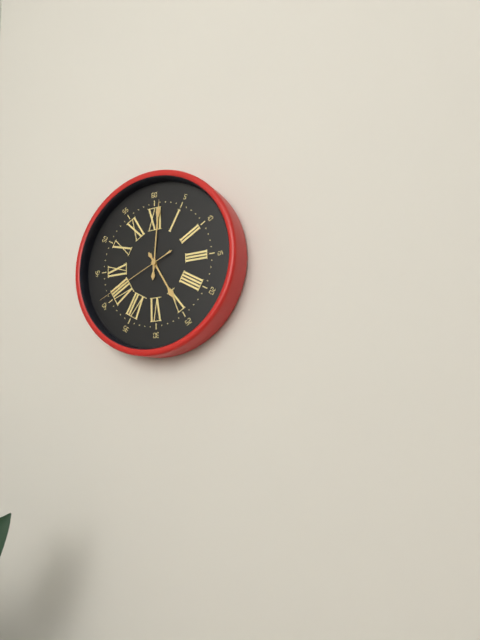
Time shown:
{"hour": 5, "minute": 1, "second": 41}
